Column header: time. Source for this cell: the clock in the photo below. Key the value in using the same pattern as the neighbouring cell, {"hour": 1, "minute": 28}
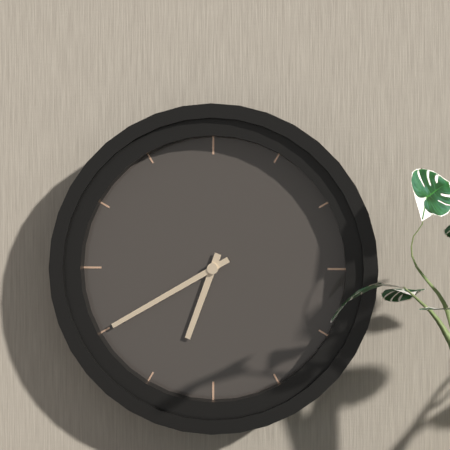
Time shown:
{"hour": 6, "minute": 40}
